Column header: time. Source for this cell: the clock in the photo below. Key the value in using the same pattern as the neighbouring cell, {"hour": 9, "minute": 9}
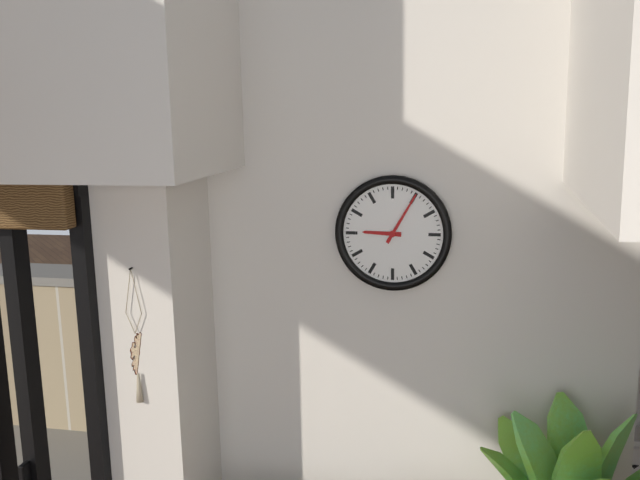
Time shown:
{"hour": 9, "minute": 5}
